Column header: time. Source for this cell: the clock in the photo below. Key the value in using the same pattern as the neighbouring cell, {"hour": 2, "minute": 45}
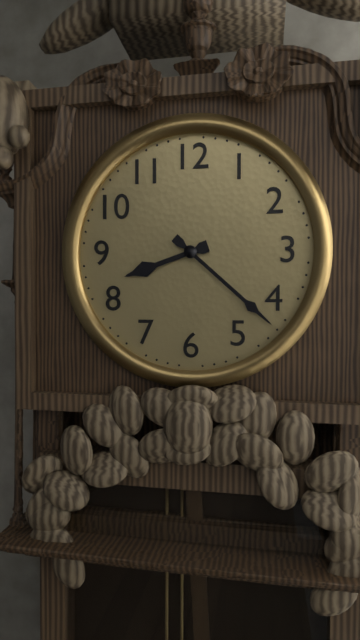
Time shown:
{"hour": 8, "minute": 22}
